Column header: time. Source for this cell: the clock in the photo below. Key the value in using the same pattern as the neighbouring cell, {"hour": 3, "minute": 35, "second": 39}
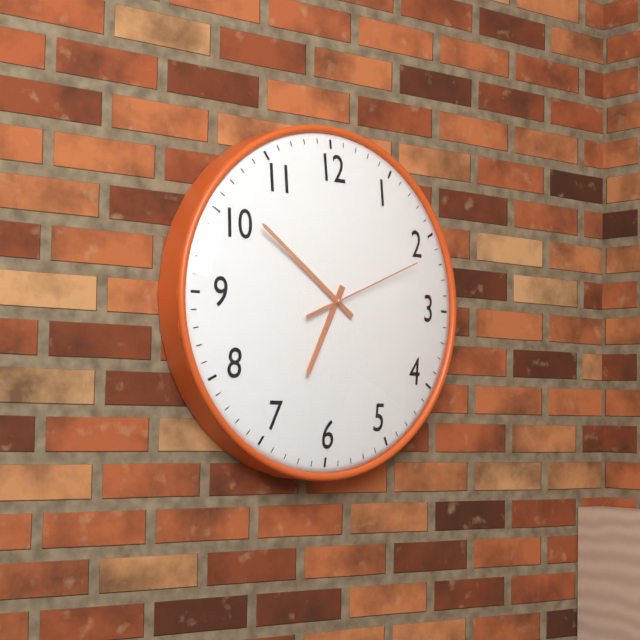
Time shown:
{"hour": 6, "minute": 51, "second": 11}
